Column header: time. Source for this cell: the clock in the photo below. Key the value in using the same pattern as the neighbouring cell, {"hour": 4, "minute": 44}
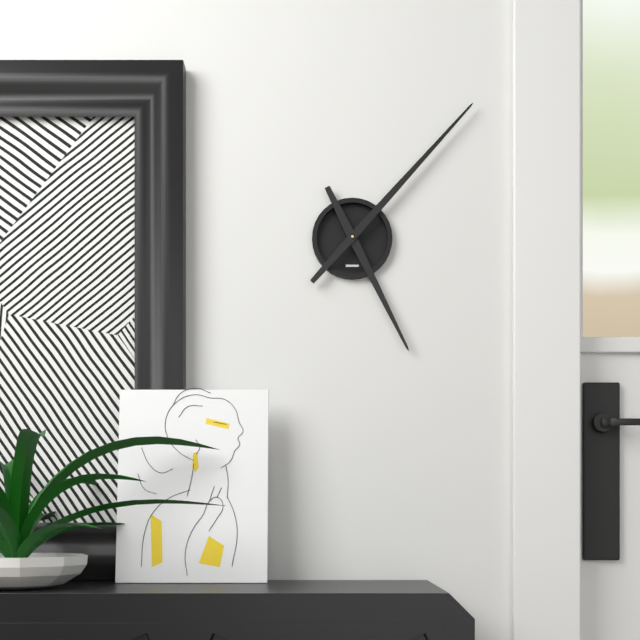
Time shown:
{"hour": 5, "minute": 7}
